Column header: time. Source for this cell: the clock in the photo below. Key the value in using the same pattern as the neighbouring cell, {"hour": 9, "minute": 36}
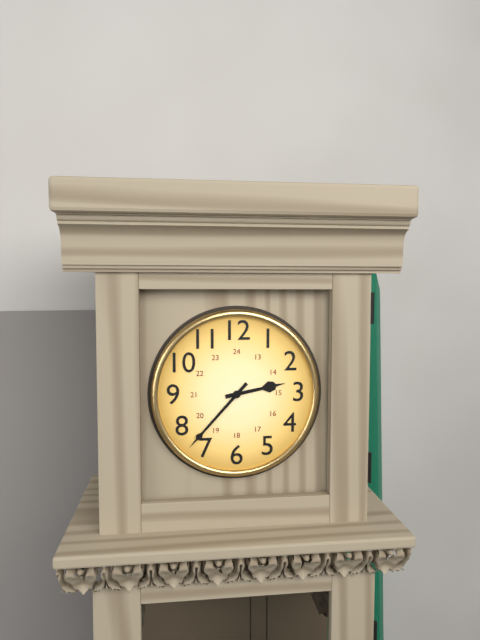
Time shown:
{"hour": 2, "minute": 37}
